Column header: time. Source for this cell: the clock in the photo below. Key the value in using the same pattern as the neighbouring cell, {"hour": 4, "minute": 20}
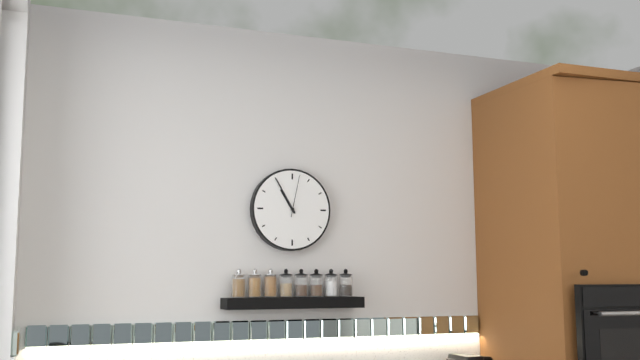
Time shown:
{"hour": 10, "minute": 55}
